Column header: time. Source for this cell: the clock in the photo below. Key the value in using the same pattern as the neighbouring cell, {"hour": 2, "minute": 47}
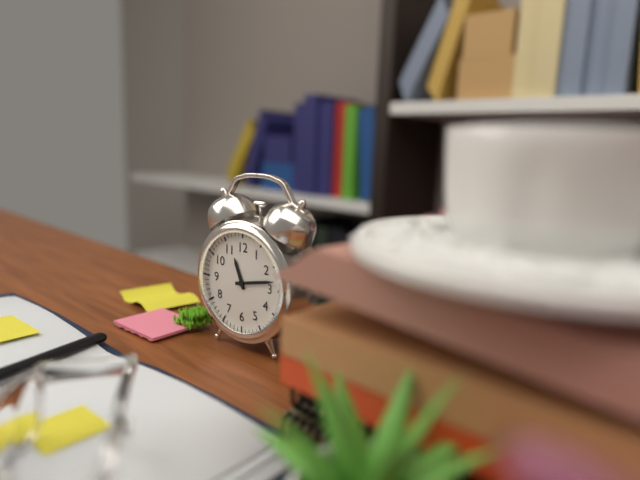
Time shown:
{"hour": 11, "minute": 13}
